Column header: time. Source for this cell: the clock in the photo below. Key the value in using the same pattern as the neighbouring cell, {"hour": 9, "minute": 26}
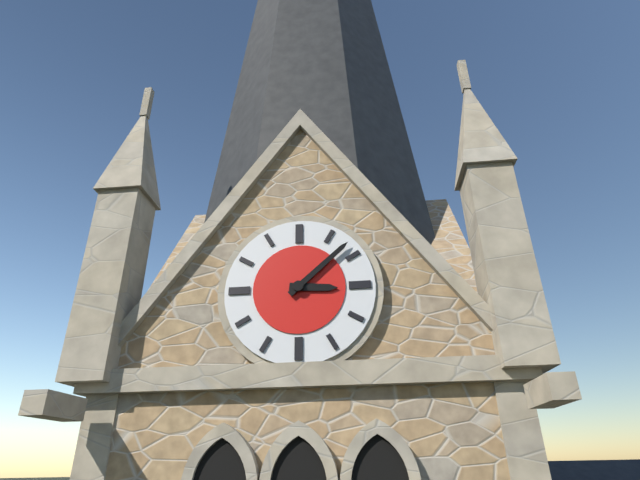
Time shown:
{"hour": 3, "minute": 8}
